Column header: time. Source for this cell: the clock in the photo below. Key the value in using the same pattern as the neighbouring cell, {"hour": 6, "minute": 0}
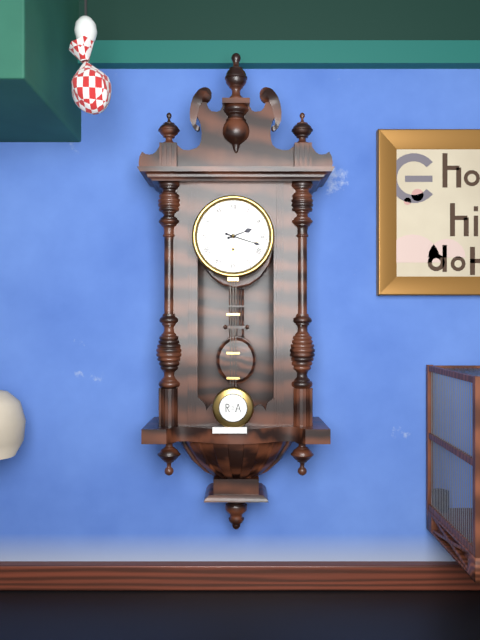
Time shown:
{"hour": 2, "minute": 18}
